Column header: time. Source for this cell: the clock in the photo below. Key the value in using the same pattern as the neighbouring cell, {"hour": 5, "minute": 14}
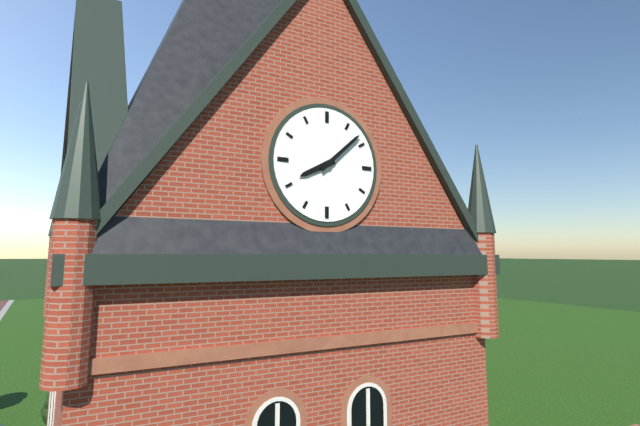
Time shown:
{"hour": 8, "minute": 8}
